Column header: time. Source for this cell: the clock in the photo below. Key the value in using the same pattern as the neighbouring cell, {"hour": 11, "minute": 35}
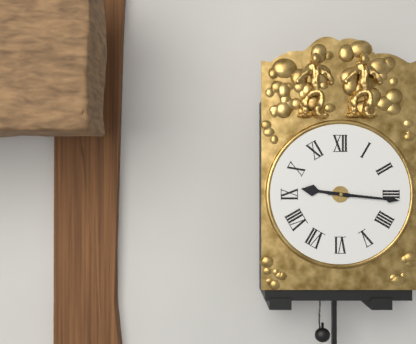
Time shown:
{"hour": 9, "minute": 16}
